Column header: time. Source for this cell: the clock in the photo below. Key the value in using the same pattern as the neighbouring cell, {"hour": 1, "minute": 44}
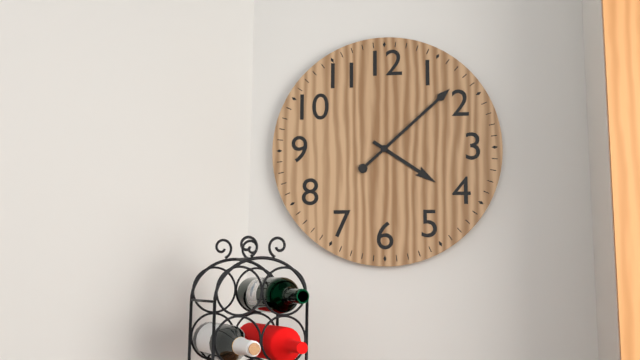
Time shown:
{"hour": 4, "minute": 8}
